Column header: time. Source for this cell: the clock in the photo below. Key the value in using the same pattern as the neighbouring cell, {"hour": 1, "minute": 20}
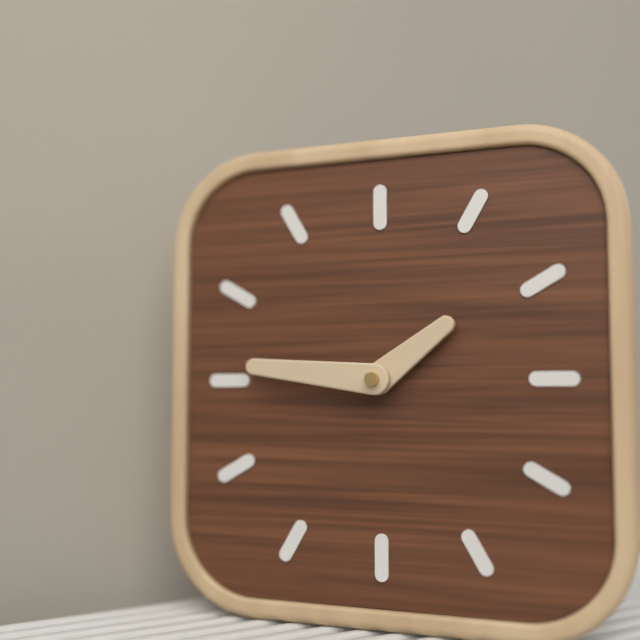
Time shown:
{"hour": 1, "minute": 46}
